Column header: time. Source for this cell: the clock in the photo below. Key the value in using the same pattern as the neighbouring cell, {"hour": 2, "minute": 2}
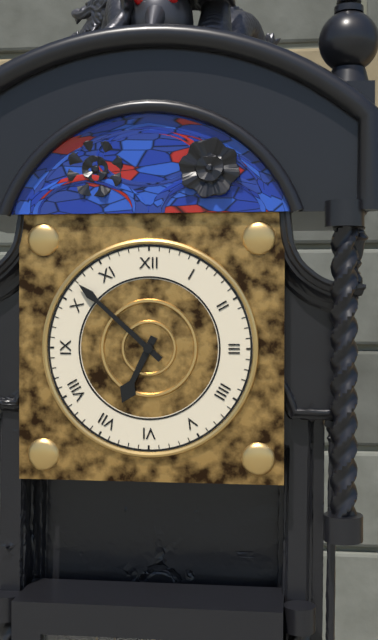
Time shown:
{"hour": 6, "minute": 52}
